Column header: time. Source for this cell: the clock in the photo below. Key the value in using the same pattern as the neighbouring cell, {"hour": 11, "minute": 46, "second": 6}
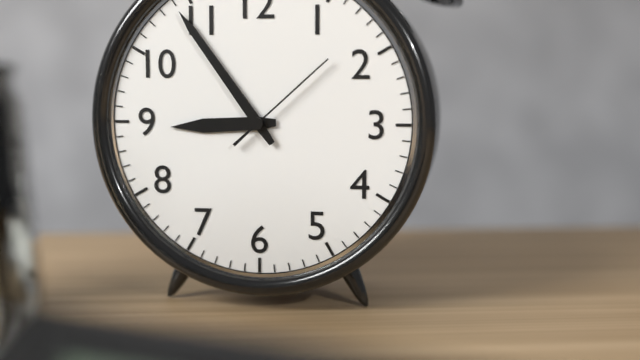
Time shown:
{"hour": 8, "minute": 54, "second": 8}
